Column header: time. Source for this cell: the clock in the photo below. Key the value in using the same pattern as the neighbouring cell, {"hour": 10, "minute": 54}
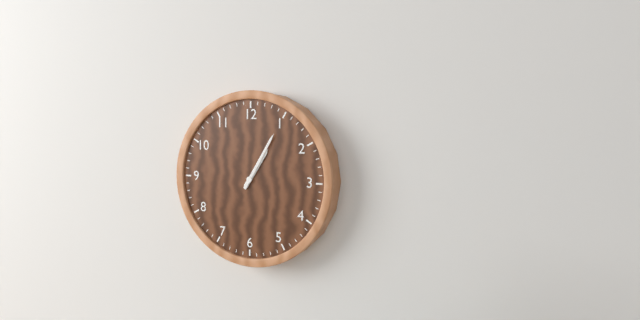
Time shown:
{"hour": 1, "minute": 5}
